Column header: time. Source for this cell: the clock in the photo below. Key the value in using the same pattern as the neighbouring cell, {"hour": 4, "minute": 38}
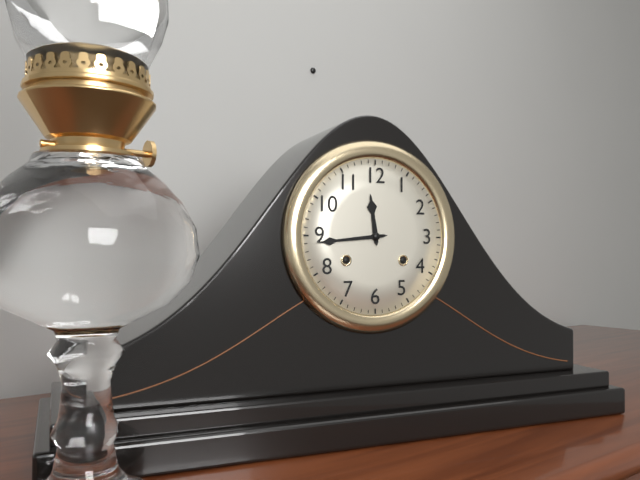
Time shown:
{"hour": 11, "minute": 44}
